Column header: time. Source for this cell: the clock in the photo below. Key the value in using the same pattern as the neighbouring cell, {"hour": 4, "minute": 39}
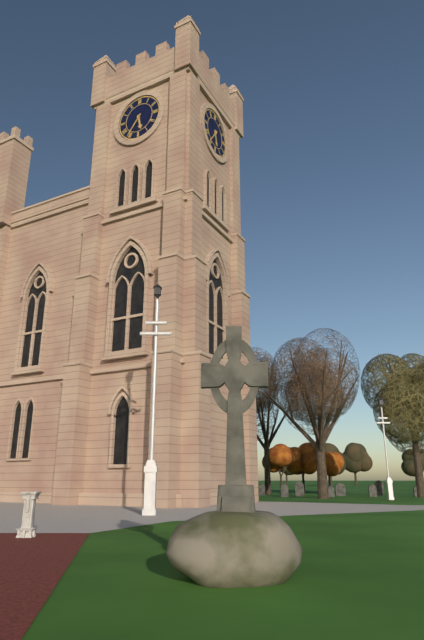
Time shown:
{"hour": 5, "minute": 36}
